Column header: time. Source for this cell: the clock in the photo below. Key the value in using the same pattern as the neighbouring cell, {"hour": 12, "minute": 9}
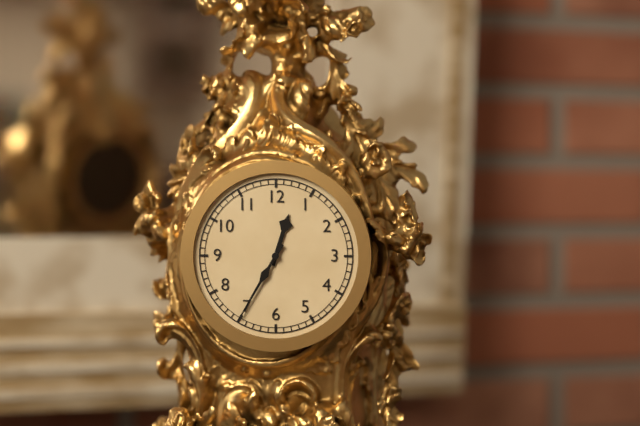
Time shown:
{"hour": 12, "minute": 35}
